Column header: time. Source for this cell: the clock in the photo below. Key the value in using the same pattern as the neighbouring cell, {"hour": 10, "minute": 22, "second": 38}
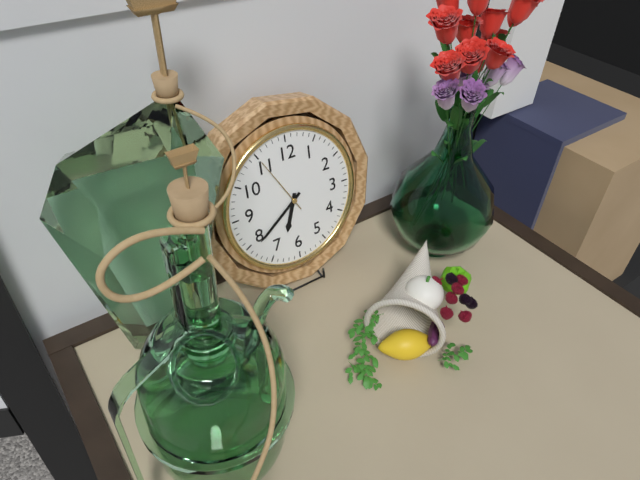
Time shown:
{"hour": 6, "minute": 39, "second": 55}
